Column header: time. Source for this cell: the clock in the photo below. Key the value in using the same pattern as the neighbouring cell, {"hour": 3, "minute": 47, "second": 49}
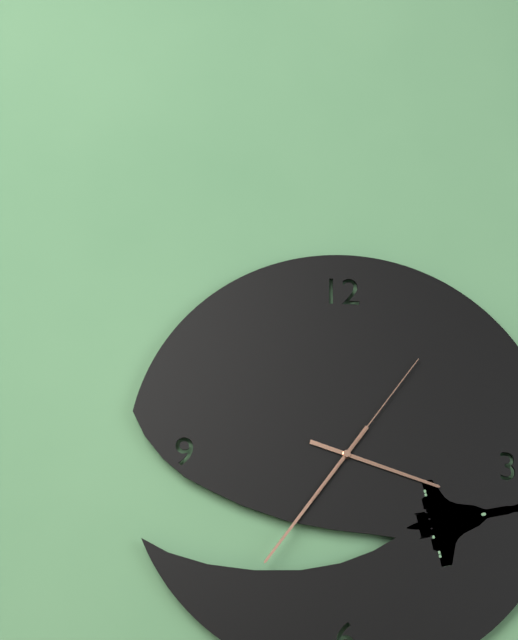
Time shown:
{"hour": 3, "minute": 36, "second": 6}
